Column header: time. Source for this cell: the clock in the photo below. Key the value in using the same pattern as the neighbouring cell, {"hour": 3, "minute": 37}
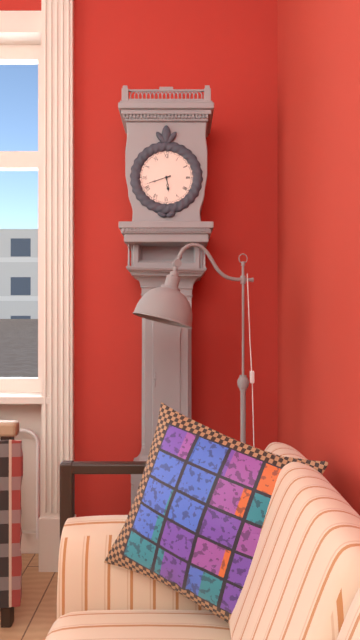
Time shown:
{"hour": 5, "minute": 42}
